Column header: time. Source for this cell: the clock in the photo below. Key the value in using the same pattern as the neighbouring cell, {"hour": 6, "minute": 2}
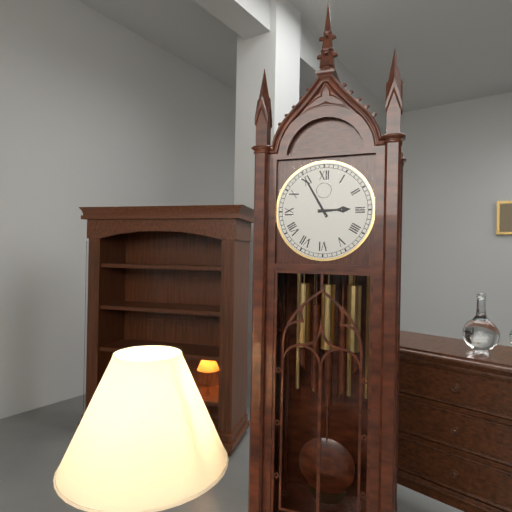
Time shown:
{"hour": 2, "minute": 55}
